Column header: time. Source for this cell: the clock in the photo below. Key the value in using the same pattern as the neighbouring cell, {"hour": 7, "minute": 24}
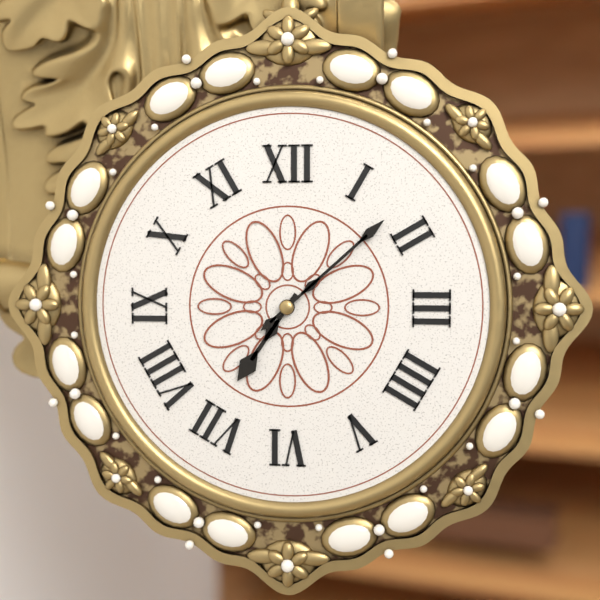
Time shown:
{"hour": 7, "minute": 8}
